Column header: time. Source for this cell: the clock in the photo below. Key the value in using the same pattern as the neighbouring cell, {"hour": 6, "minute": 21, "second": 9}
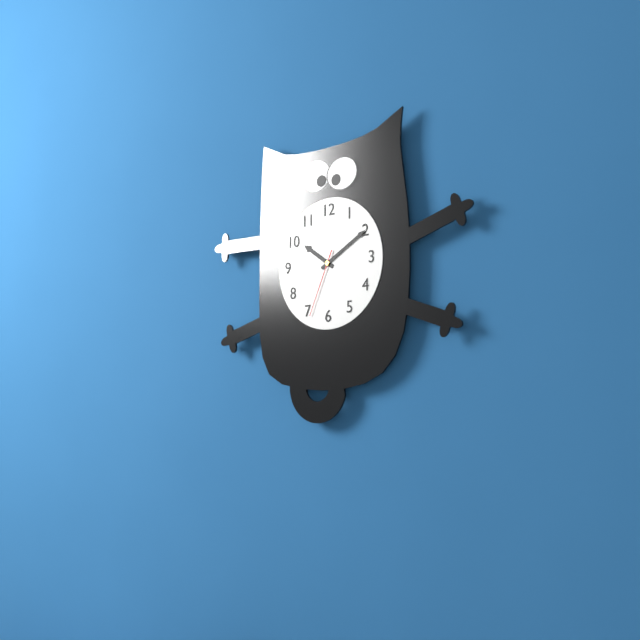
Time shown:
{"hour": 10, "minute": 10, "second": 34}
